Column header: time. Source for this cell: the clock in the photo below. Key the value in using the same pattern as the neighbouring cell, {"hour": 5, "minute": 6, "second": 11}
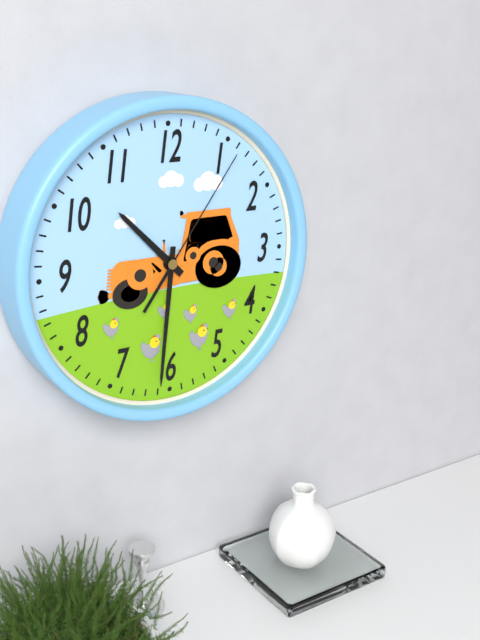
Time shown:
{"hour": 10, "minute": 31, "second": 6}
